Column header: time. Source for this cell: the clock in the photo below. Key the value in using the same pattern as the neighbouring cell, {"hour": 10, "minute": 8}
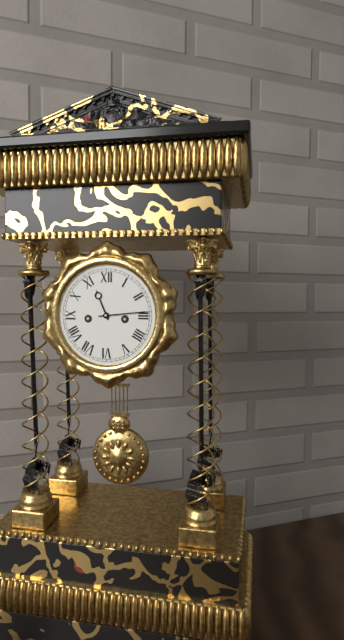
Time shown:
{"hour": 11, "minute": 14}
